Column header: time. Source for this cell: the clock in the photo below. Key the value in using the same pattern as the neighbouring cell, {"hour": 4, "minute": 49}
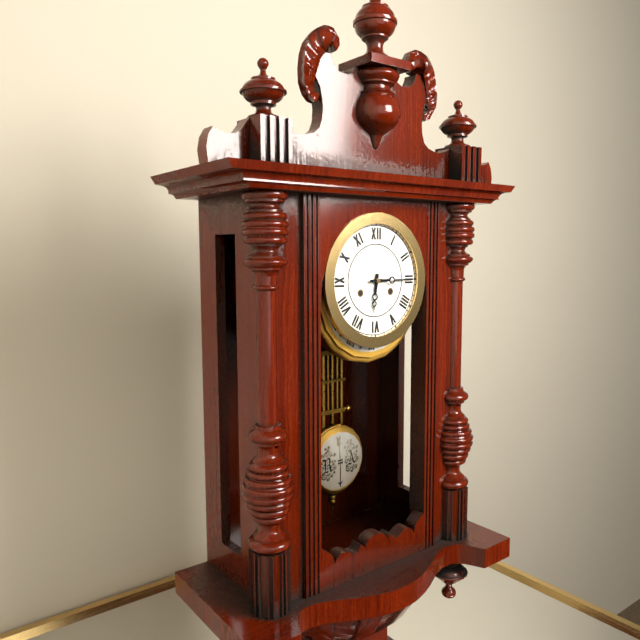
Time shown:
{"hour": 6, "minute": 15}
